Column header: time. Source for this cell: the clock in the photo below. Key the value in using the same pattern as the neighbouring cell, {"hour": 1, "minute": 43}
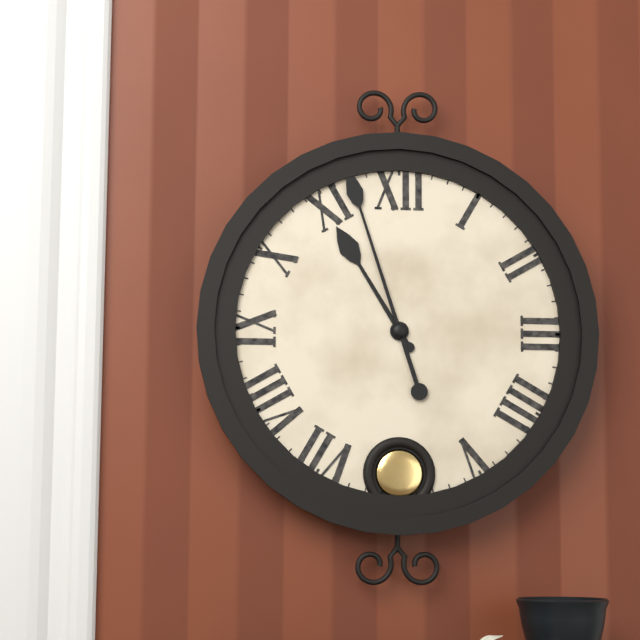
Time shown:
{"hour": 10, "minute": 57}
